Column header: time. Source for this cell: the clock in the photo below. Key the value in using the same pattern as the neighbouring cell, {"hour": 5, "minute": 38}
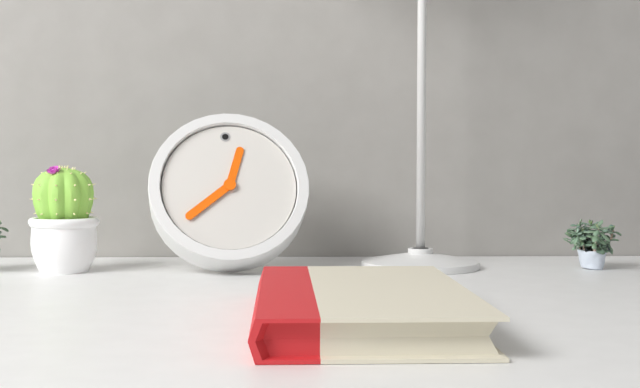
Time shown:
{"hour": 12, "minute": 39}
